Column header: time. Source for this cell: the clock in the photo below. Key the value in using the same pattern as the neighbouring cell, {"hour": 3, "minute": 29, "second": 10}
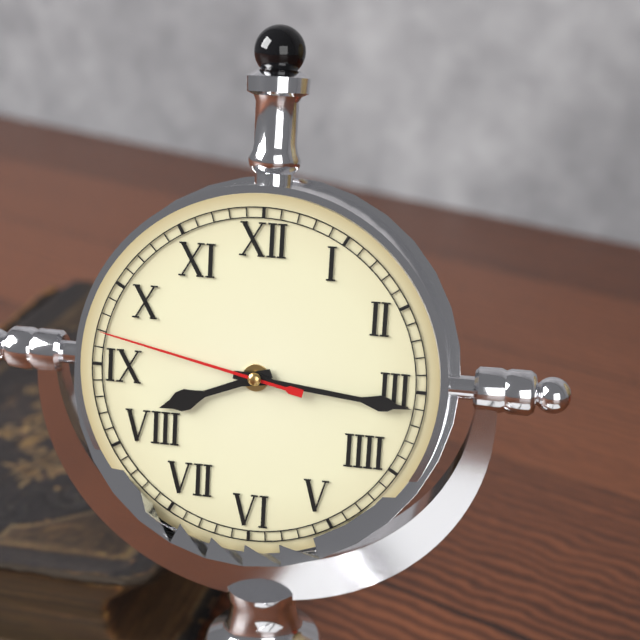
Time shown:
{"hour": 8, "minute": 16, "second": 47}
